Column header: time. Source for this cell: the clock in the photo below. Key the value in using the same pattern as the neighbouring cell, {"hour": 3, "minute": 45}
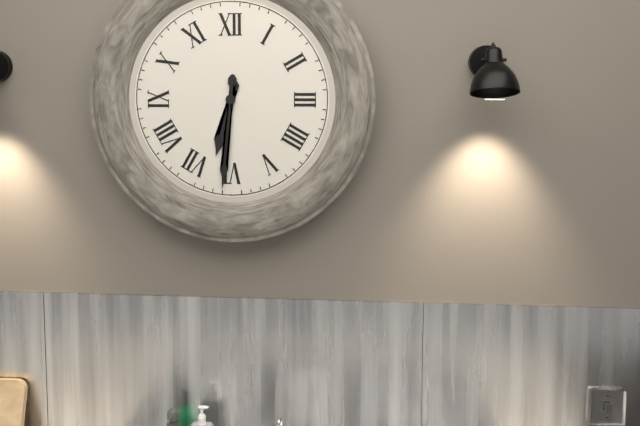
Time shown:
{"hour": 6, "minute": 31}
